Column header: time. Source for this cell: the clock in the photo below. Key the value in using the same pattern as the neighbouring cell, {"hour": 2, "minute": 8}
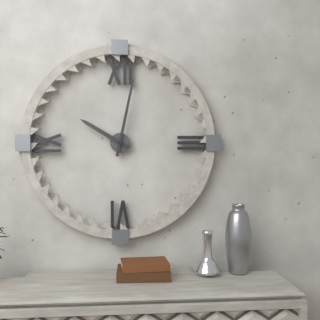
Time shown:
{"hour": 10, "minute": 2}
